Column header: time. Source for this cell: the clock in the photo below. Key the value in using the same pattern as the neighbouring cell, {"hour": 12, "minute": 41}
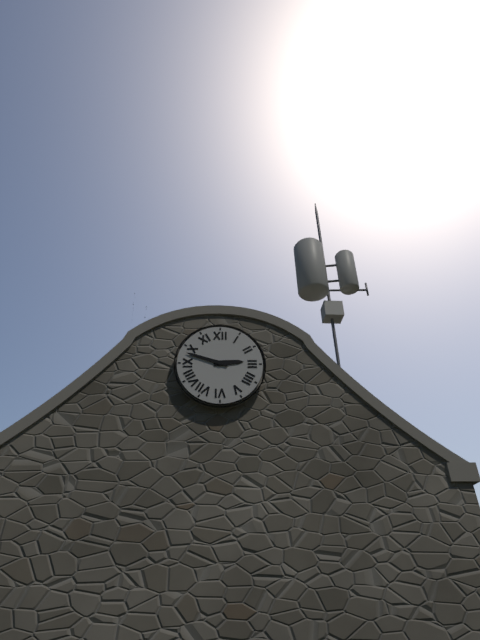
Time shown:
{"hour": 2, "minute": 48}
